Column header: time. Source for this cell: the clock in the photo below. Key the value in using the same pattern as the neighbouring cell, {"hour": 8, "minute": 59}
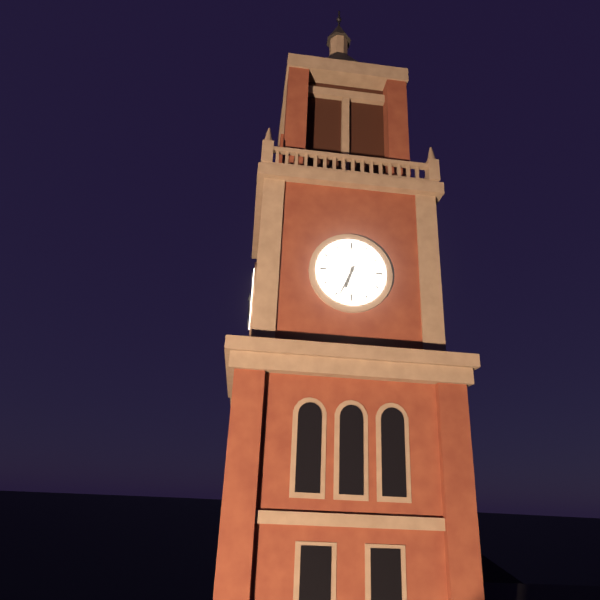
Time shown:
{"hour": 6, "minute": 34}
